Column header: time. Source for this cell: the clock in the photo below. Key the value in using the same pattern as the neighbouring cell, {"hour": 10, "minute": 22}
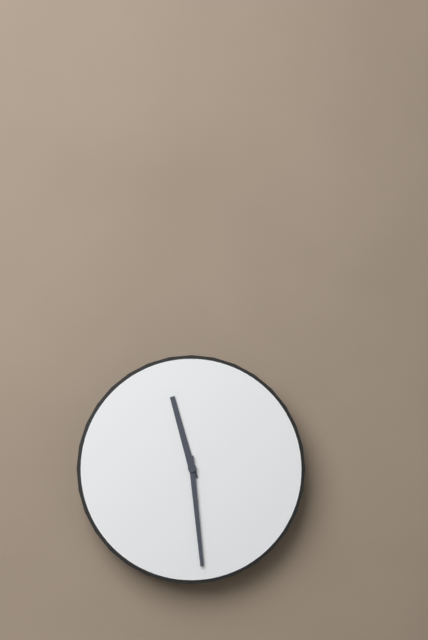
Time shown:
{"hour": 11, "minute": 29}
